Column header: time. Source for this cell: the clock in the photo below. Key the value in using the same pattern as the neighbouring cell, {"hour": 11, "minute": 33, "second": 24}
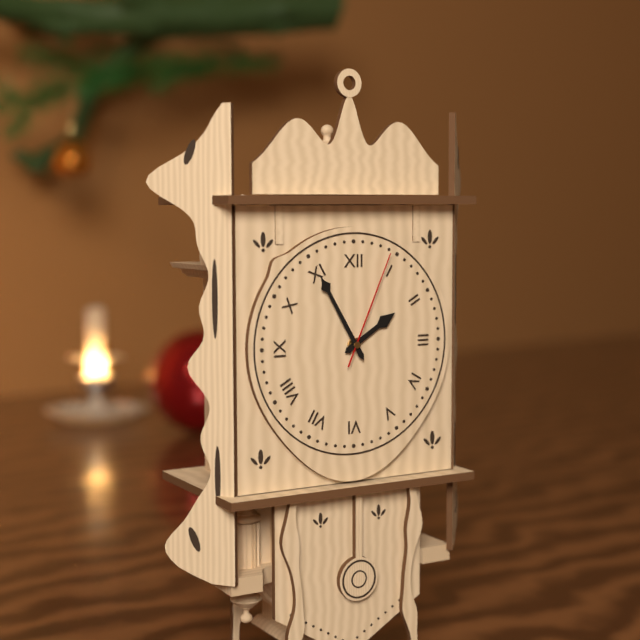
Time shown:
{"hour": 1, "minute": 55, "second": 4}
